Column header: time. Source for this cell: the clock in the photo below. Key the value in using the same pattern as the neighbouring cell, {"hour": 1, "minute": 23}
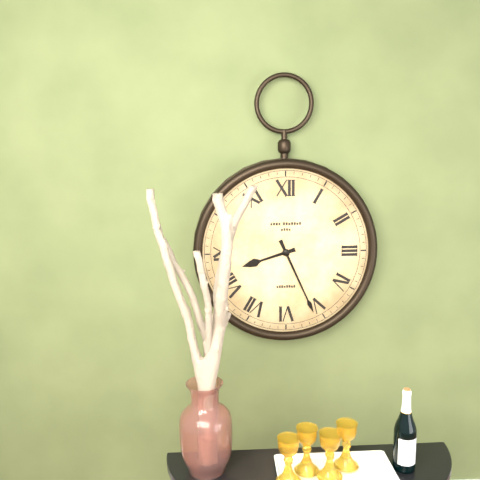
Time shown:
{"hour": 8, "minute": 26}
